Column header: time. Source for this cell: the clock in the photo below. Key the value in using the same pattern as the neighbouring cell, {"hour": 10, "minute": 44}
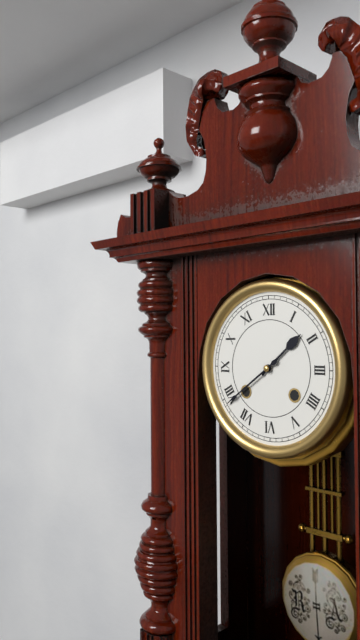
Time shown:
{"hour": 1, "minute": 39}
